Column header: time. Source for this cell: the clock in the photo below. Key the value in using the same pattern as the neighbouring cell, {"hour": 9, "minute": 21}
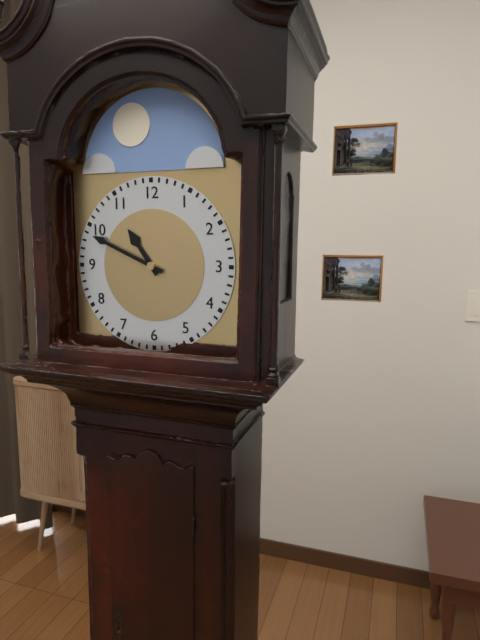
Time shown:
{"hour": 10, "minute": 49}
